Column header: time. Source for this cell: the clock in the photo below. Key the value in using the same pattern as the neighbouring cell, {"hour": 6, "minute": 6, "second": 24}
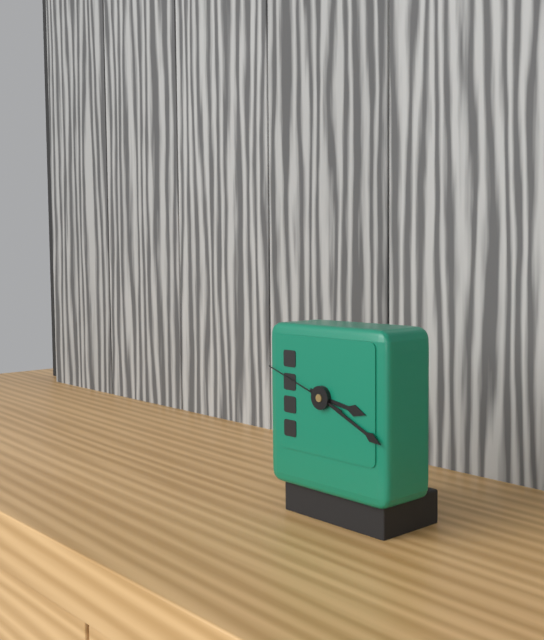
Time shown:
{"hour": 3, "minute": 19, "second": 48}
